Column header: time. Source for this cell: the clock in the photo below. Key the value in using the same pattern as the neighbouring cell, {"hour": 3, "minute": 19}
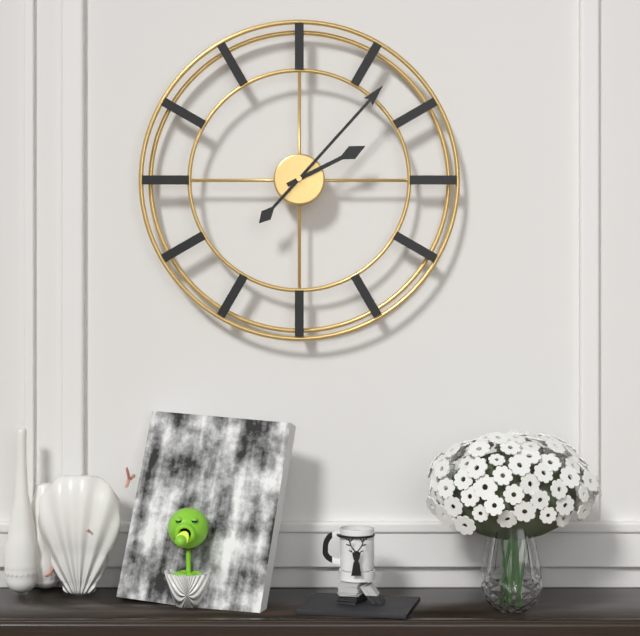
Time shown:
{"hour": 2, "minute": 7}
